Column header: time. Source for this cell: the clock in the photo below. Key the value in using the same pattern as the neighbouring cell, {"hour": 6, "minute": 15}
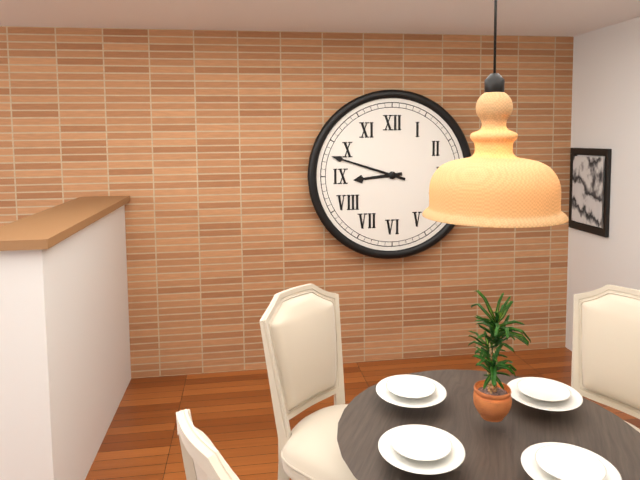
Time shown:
{"hour": 8, "minute": 48}
